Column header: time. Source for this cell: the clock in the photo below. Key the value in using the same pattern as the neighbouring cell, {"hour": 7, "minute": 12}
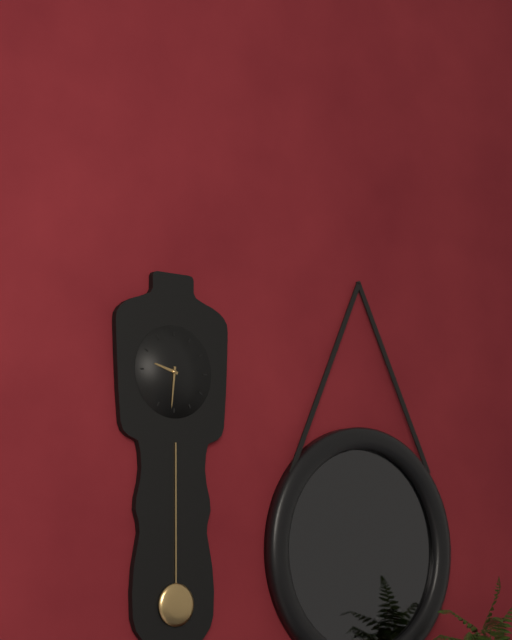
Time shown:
{"hour": 9, "minute": 31}
